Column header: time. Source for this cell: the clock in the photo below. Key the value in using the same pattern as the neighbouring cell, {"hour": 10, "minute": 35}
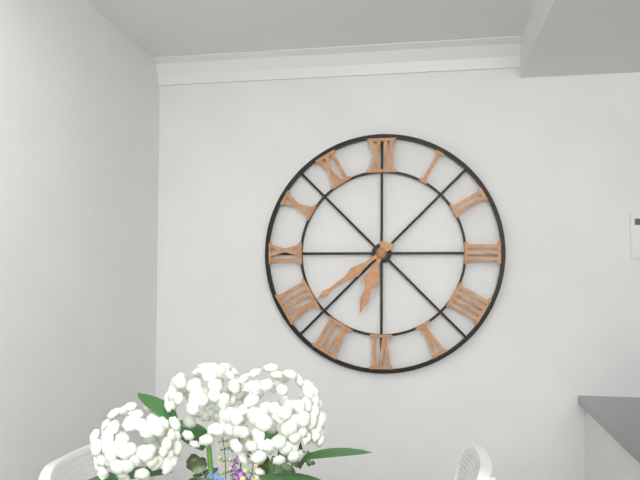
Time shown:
{"hour": 6, "minute": 39}
